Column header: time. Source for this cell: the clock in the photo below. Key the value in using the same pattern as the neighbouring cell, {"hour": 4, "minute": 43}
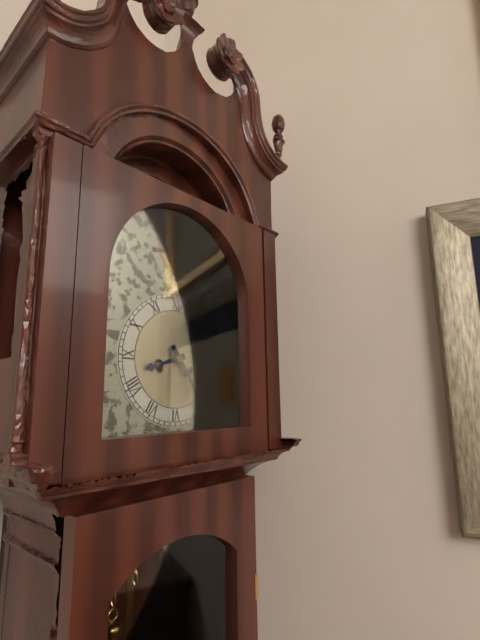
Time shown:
{"hour": 8, "minute": 24}
